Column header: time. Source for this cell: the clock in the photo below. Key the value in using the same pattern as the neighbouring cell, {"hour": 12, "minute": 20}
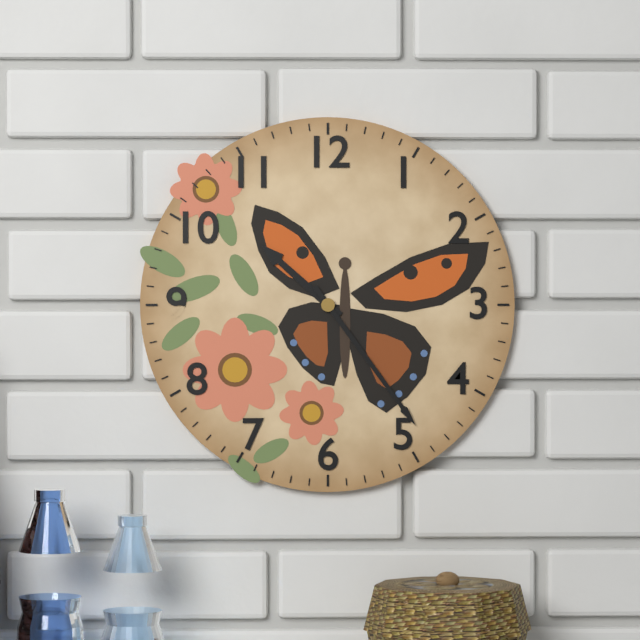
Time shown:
{"hour": 10, "minute": 24}
